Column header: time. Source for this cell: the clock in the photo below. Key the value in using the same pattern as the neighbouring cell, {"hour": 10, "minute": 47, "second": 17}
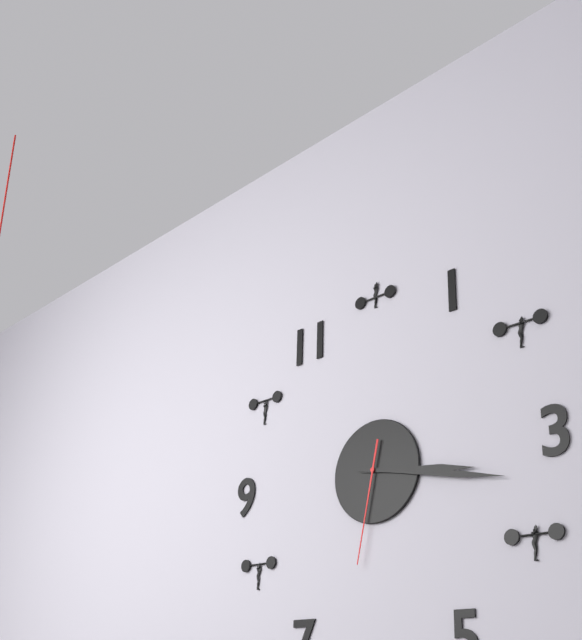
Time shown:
{"hour": 3, "minute": 17, "second": 32}
